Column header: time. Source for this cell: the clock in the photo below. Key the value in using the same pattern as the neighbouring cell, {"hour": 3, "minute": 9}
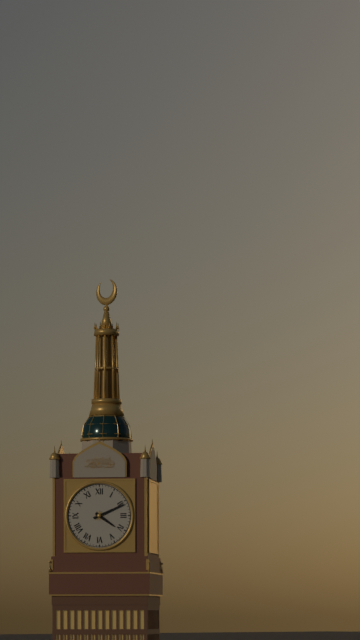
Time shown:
{"hour": 4, "minute": 11}
